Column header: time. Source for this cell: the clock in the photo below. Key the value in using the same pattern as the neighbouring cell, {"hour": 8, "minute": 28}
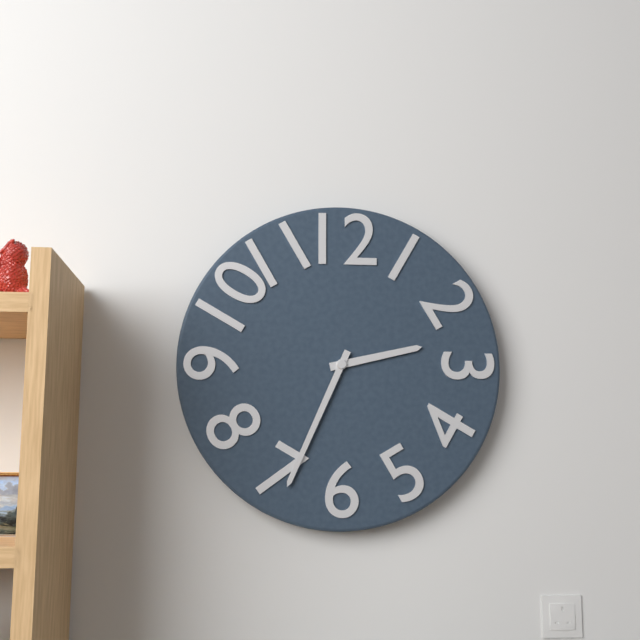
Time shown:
{"hour": 2, "minute": 34}
